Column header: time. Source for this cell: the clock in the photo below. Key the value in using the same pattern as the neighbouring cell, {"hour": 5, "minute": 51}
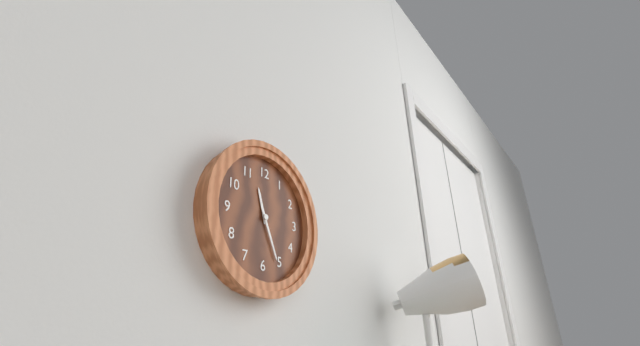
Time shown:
{"hour": 11, "minute": 26}
